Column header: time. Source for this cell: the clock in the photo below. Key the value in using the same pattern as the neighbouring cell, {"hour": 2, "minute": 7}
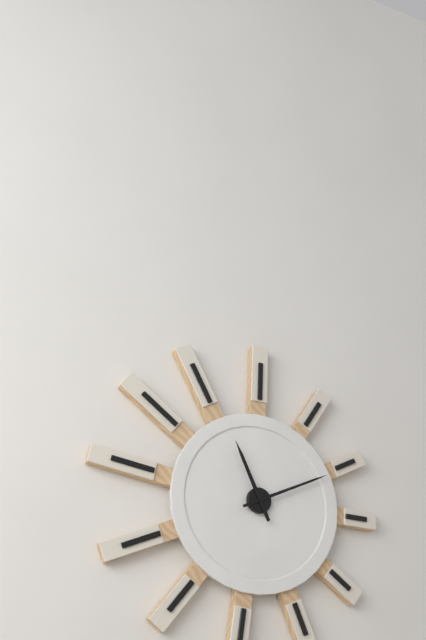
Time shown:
{"hour": 11, "minute": 11}
